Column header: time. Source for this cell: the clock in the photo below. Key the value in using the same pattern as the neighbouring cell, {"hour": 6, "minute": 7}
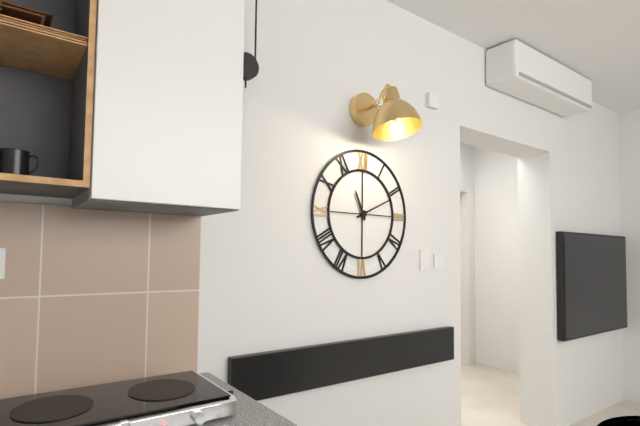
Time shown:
{"hour": 11, "minute": 11}
